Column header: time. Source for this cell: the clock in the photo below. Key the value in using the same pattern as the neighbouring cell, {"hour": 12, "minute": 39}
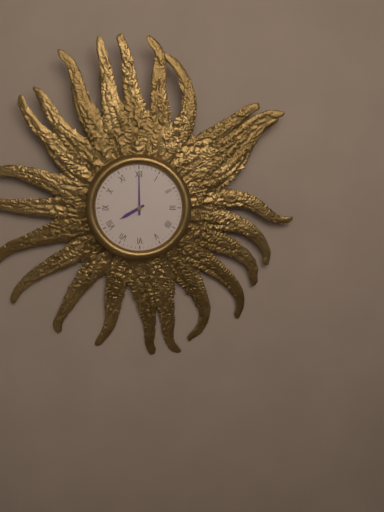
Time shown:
{"hour": 8, "minute": 0}
